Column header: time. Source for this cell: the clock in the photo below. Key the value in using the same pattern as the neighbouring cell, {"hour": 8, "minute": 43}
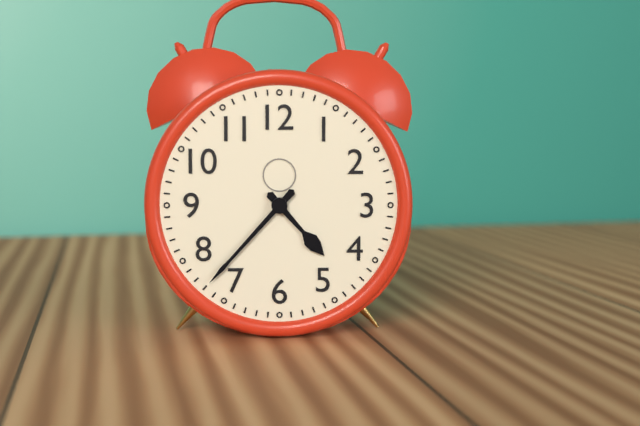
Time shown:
{"hour": 4, "minute": 37}
